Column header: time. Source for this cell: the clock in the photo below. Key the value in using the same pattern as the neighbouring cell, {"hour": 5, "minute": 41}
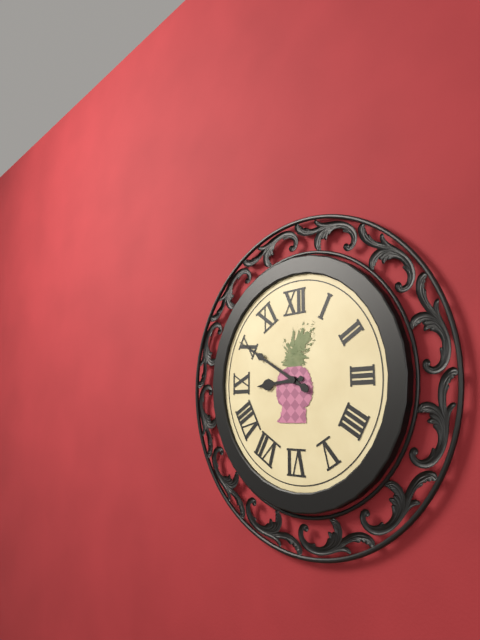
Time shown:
{"hour": 8, "minute": 50}
